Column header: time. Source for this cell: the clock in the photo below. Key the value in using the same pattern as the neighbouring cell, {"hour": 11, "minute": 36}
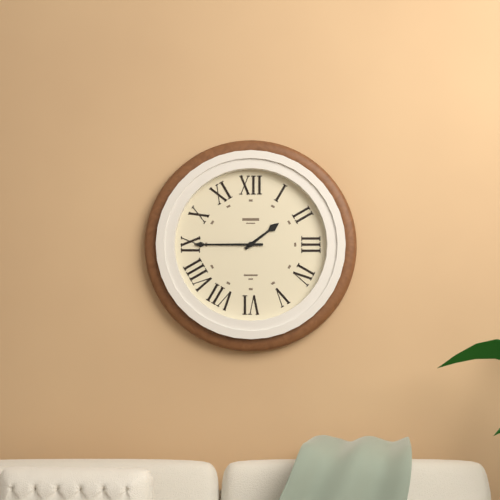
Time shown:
{"hour": 1, "minute": 45}
